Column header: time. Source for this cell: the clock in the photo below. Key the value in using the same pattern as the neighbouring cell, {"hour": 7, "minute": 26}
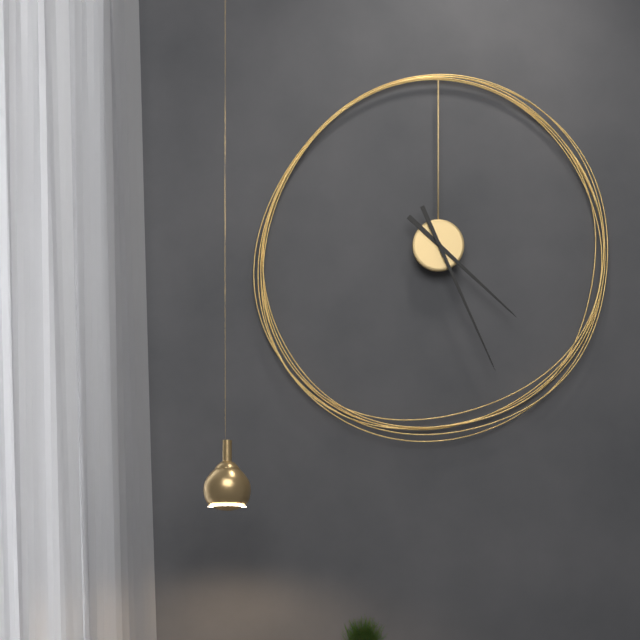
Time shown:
{"hour": 4, "minute": 26}
